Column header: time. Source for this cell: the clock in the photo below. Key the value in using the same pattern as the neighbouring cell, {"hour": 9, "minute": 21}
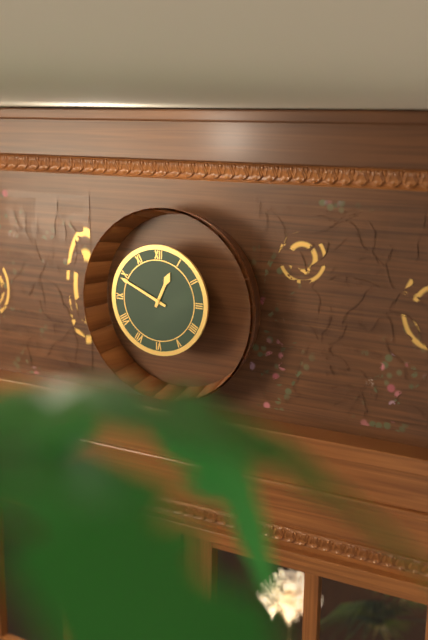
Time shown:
{"hour": 12, "minute": 49}
